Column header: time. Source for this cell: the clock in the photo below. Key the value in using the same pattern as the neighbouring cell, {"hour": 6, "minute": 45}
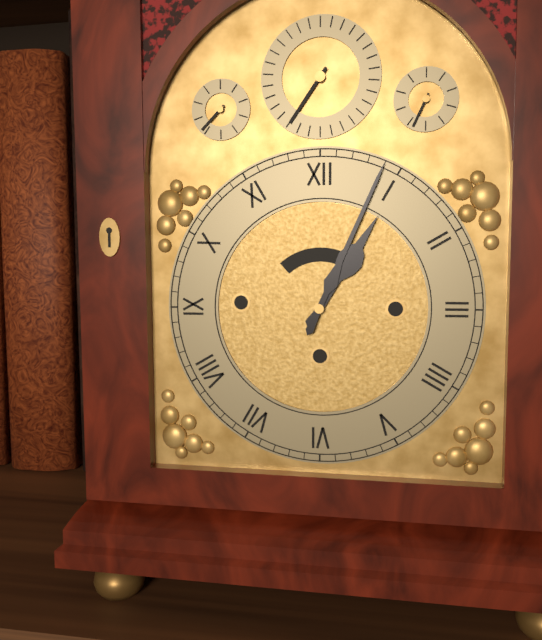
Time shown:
{"hour": 1, "minute": 4}
